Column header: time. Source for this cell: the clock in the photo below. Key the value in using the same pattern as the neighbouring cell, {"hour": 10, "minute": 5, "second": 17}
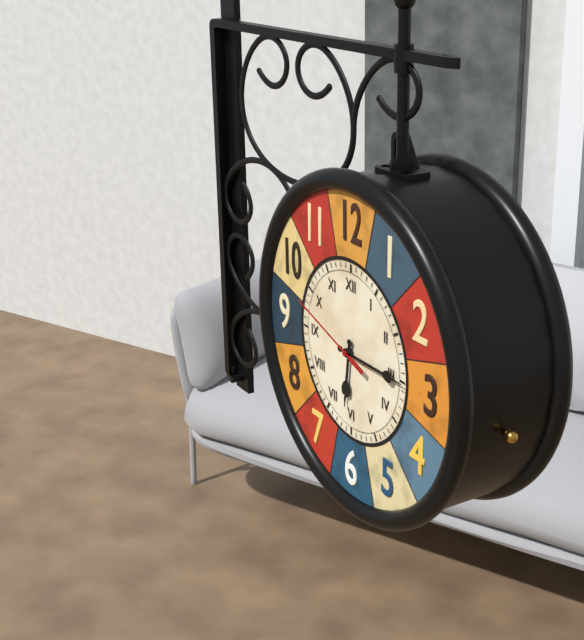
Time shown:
{"hour": 6, "minute": 15, "second": 48}
